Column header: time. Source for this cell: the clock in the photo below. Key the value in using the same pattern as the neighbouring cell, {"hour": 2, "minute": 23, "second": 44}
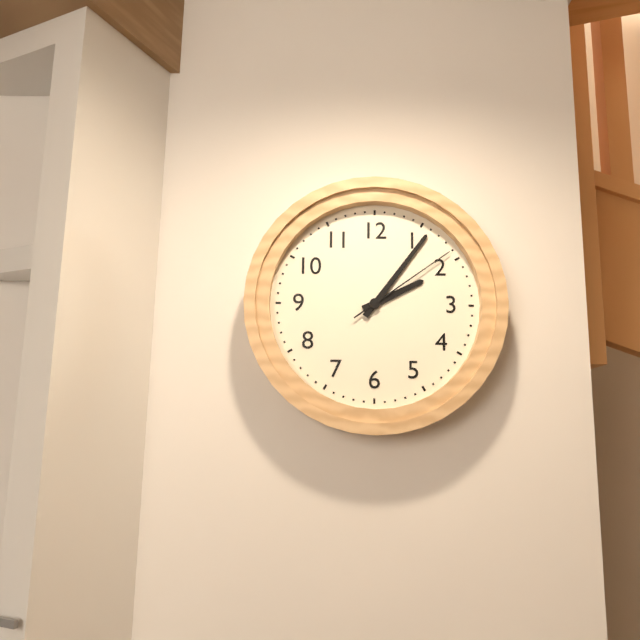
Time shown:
{"hour": 2, "minute": 6, "second": 9}
